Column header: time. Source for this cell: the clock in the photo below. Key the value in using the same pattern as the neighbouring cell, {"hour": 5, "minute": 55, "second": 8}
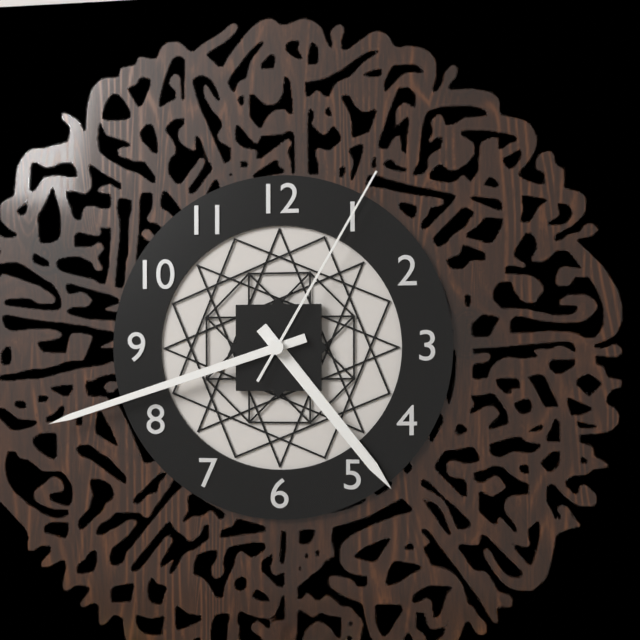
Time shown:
{"hour": 4, "minute": 42, "second": 5}
